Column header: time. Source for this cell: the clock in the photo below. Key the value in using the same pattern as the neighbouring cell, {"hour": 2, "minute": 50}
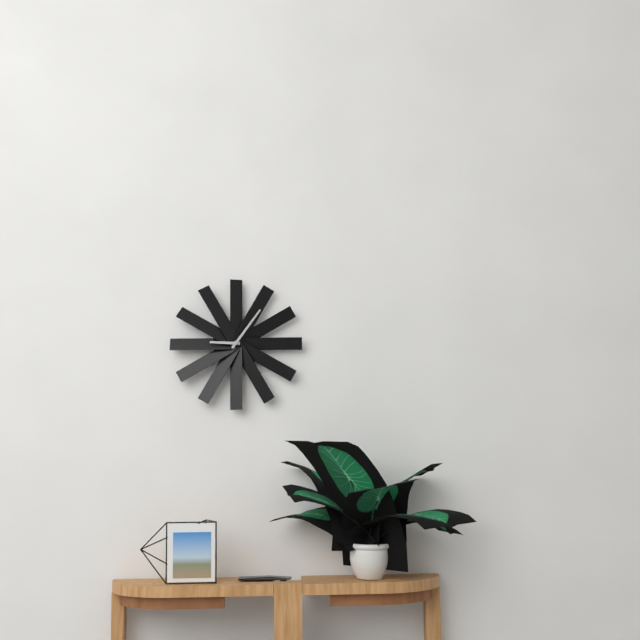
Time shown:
{"hour": 9, "minute": 6}
